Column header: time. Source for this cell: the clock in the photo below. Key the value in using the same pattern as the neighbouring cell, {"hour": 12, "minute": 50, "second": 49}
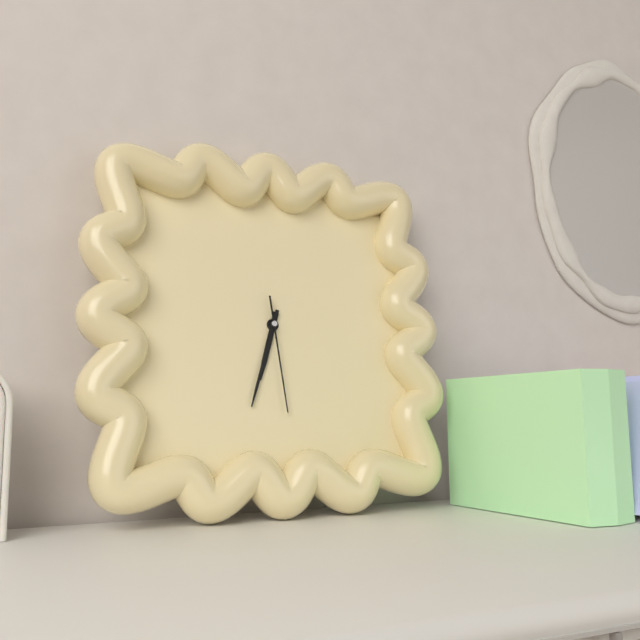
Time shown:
{"hour": 6, "minute": 33, "second": 29}
